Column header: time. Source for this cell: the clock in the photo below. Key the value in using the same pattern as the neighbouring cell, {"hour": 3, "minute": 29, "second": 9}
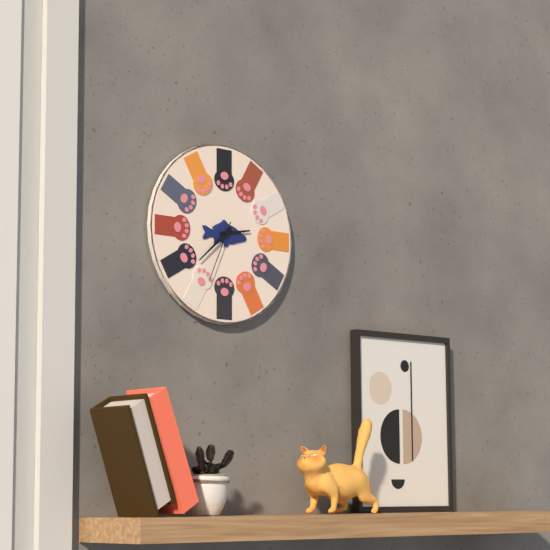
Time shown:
{"hour": 2, "minute": 38, "second": 34}
